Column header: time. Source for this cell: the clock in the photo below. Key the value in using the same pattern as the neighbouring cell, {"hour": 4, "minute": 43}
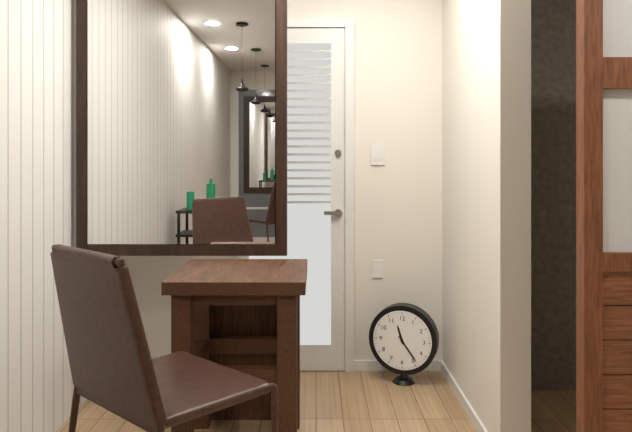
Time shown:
{"hour": 11, "minute": 24}
